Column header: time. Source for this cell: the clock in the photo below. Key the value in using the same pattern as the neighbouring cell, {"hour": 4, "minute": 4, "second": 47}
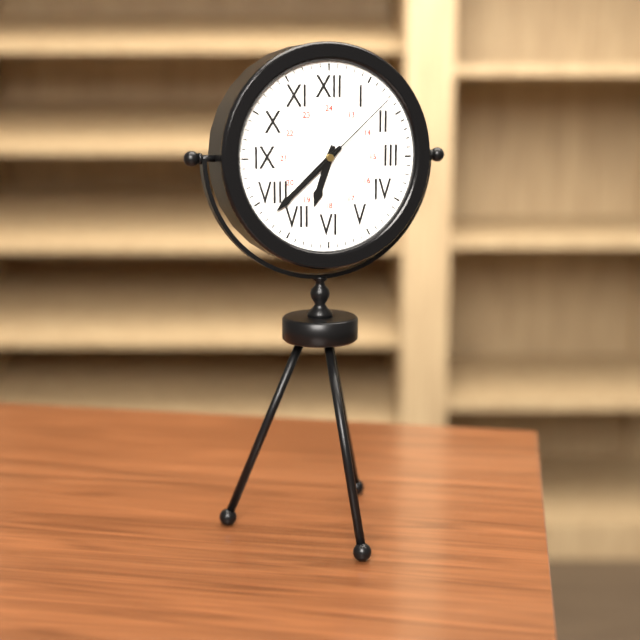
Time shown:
{"hour": 6, "minute": 38, "second": 8}
